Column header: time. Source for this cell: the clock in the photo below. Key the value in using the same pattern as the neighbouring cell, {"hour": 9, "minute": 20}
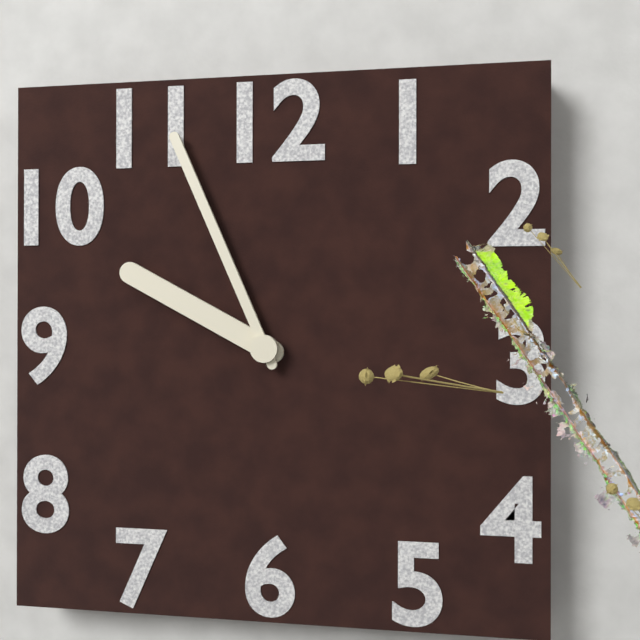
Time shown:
{"hour": 9, "minute": 56}
